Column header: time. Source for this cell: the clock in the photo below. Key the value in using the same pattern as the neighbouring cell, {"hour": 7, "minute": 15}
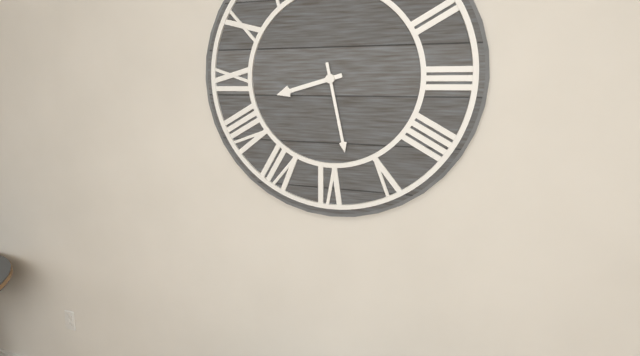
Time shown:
{"hour": 8, "minute": 28}
